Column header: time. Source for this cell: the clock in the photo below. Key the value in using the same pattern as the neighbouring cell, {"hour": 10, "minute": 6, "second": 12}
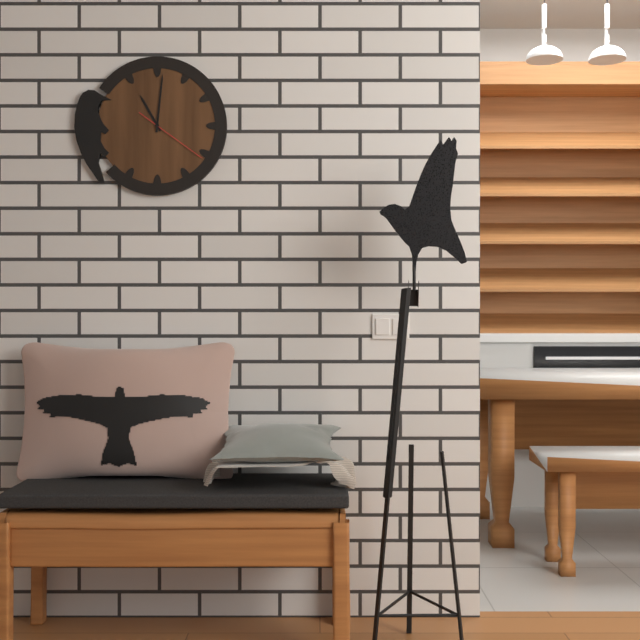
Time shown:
{"hour": 11, "minute": 1, "second": 21}
